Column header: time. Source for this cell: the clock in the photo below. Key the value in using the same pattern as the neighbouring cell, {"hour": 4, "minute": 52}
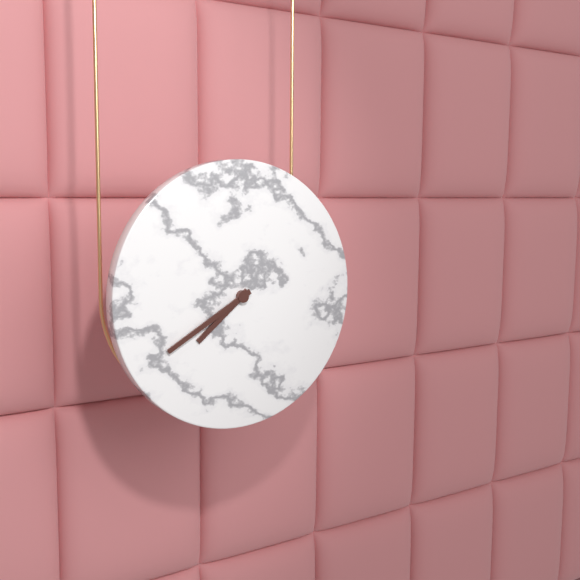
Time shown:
{"hour": 7, "minute": 40}
